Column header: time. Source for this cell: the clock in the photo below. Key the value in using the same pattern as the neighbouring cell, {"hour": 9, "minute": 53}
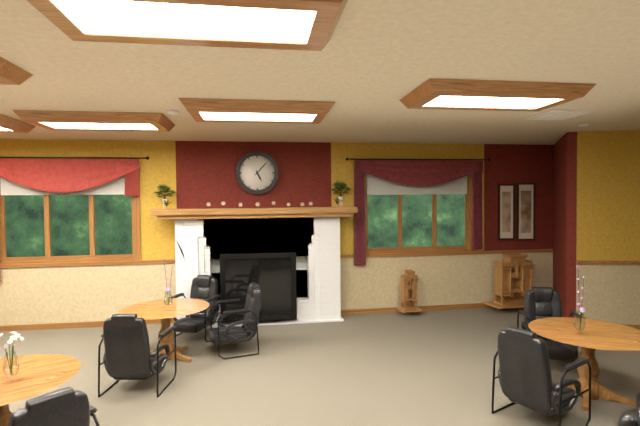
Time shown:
{"hour": 5, "minute": 7}
